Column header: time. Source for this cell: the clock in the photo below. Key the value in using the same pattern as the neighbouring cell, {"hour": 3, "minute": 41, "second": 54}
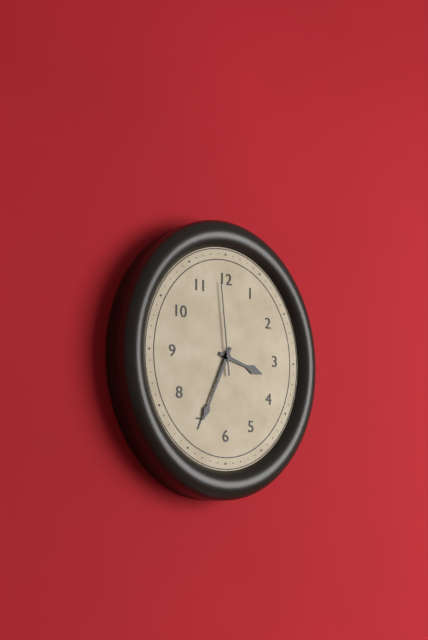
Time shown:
{"hour": 3, "minute": 34, "second": 59}
